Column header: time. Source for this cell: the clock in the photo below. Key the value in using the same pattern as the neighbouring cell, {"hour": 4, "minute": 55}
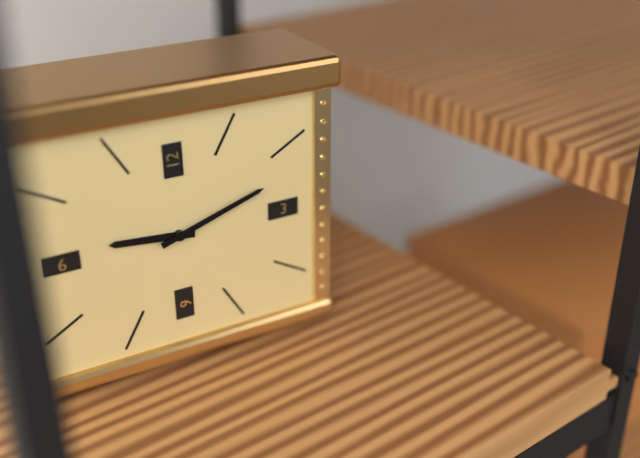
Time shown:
{"hour": 9, "minute": 12}
